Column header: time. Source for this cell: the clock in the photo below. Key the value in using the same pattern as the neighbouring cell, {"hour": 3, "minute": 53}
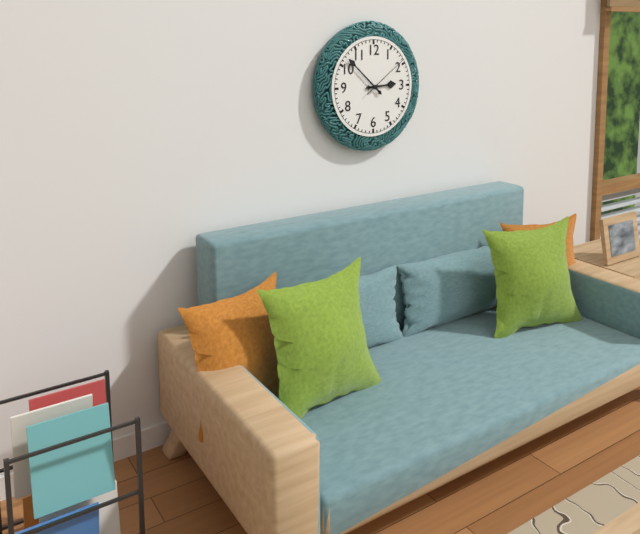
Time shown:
{"hour": 2, "minute": 52}
